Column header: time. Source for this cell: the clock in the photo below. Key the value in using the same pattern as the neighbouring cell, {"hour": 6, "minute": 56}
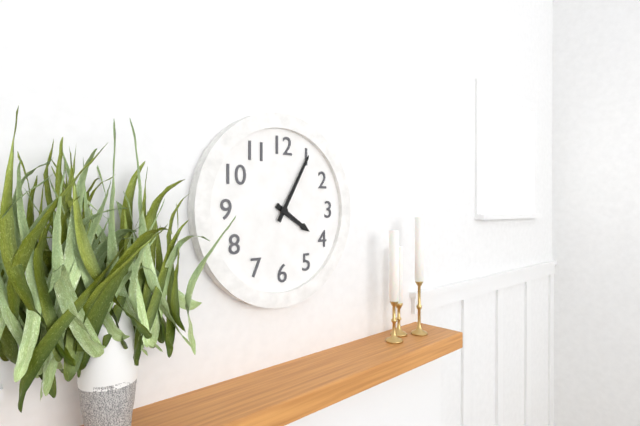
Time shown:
{"hour": 4, "minute": 5}
